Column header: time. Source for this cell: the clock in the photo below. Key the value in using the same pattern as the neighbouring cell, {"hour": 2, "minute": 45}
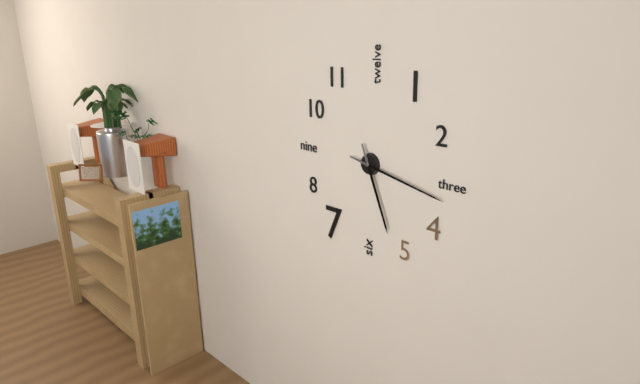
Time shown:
{"hour": 5, "minute": 17}
